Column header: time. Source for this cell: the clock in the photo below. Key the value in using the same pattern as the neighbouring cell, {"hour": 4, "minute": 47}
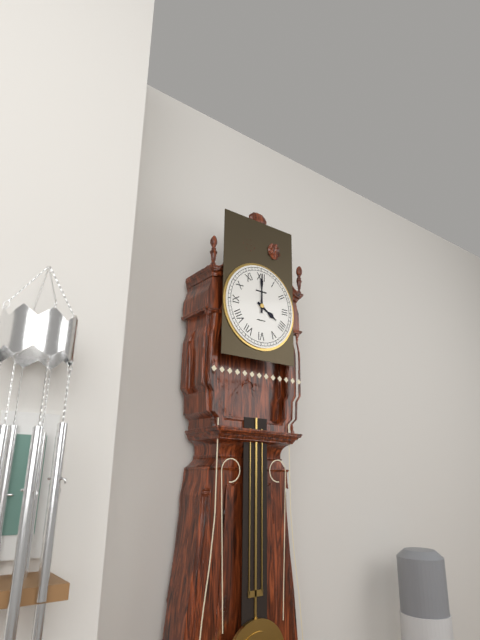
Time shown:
{"hour": 4, "minute": 0}
